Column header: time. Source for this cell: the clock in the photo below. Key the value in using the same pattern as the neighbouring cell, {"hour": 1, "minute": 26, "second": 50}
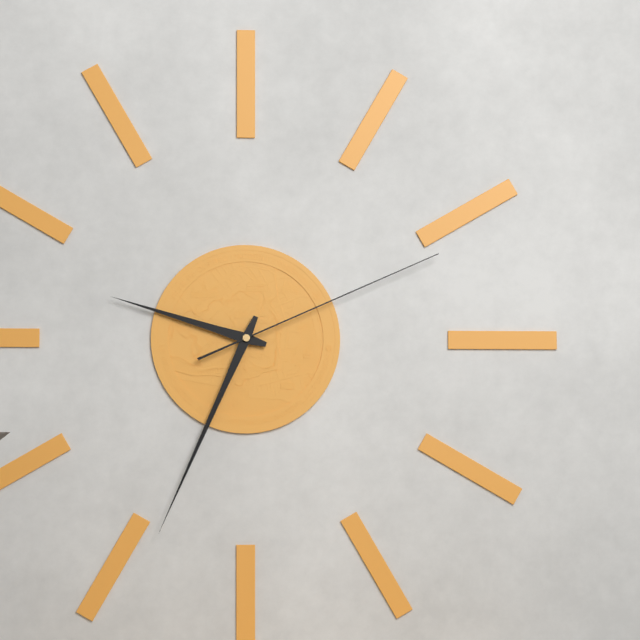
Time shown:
{"hour": 9, "minute": 34, "second": 11}
